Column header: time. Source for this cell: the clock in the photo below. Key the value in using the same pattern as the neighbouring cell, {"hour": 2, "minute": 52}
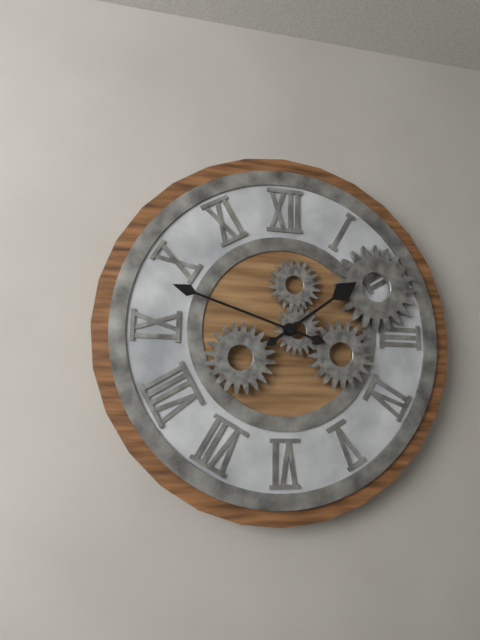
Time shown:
{"hour": 1, "minute": 48}
